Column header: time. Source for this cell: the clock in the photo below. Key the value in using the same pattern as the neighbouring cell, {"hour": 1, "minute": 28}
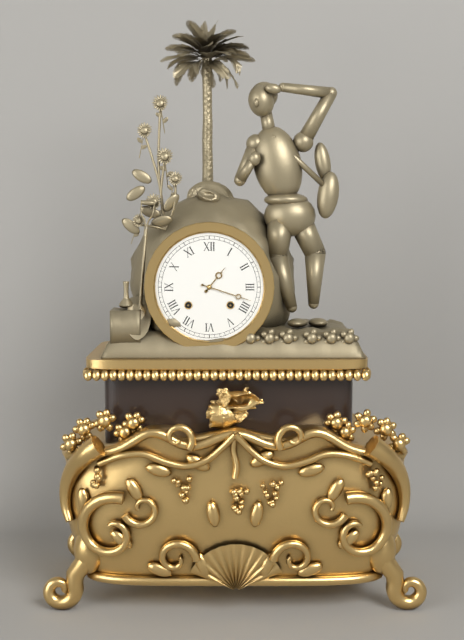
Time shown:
{"hour": 1, "minute": 18}
